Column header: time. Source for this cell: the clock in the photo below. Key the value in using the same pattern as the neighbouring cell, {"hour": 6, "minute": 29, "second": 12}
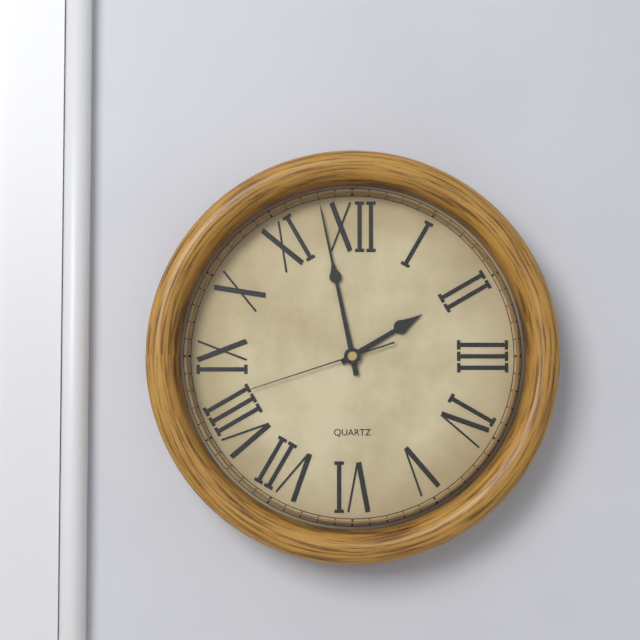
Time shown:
{"hour": 1, "minute": 58, "second": 42}
